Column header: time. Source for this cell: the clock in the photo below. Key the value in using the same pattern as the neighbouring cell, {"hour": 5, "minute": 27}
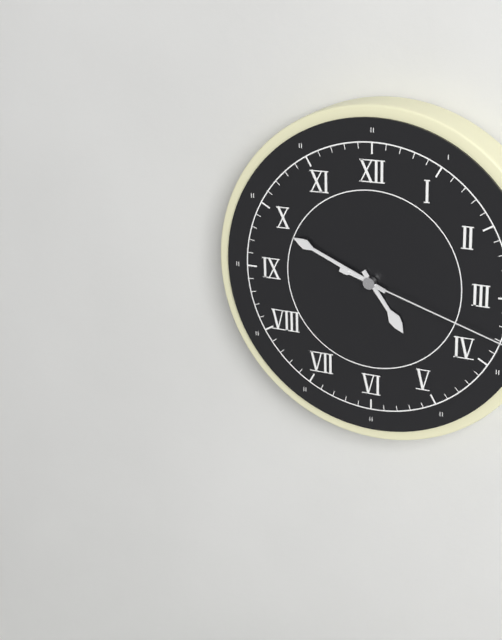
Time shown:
{"hour": 4, "minute": 49}
